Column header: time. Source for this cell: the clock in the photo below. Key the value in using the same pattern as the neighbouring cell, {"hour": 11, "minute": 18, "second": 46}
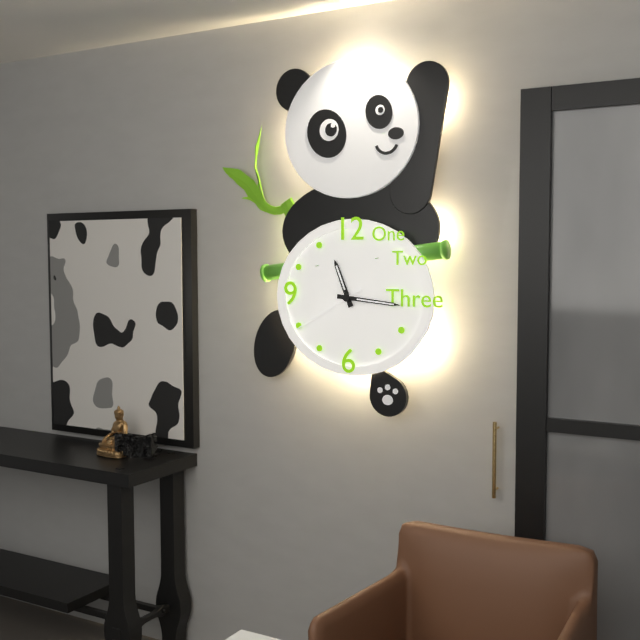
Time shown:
{"hour": 11, "minute": 16, "second": 40}
